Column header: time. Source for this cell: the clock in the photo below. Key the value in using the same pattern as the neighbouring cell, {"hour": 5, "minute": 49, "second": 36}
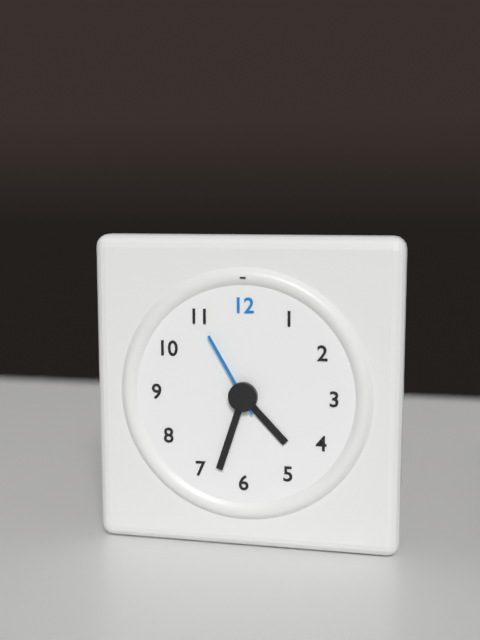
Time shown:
{"hour": 4, "minute": 33, "second": 55}
